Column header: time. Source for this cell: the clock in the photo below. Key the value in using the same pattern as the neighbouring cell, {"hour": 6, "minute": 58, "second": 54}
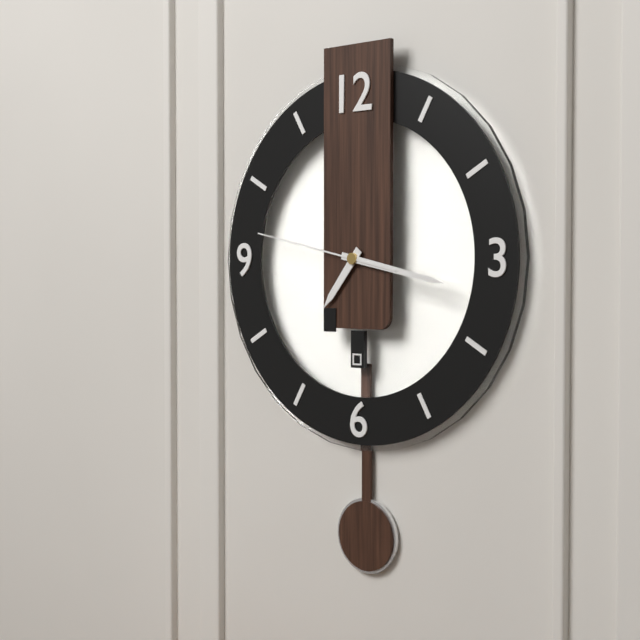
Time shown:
{"hour": 7, "minute": 17, "second": 47}
